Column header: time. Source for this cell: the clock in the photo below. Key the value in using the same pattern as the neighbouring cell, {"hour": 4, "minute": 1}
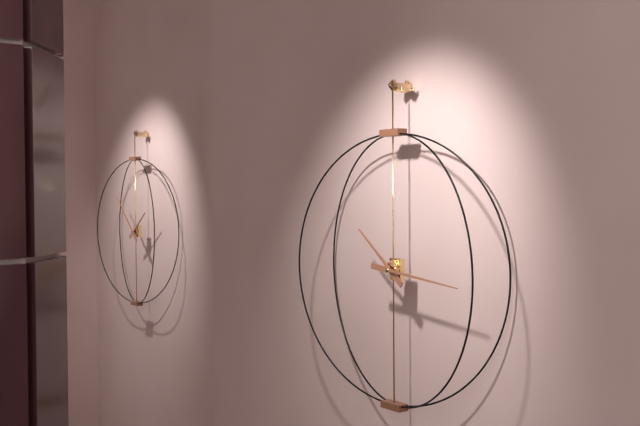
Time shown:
{"hour": 10, "minute": 16}
